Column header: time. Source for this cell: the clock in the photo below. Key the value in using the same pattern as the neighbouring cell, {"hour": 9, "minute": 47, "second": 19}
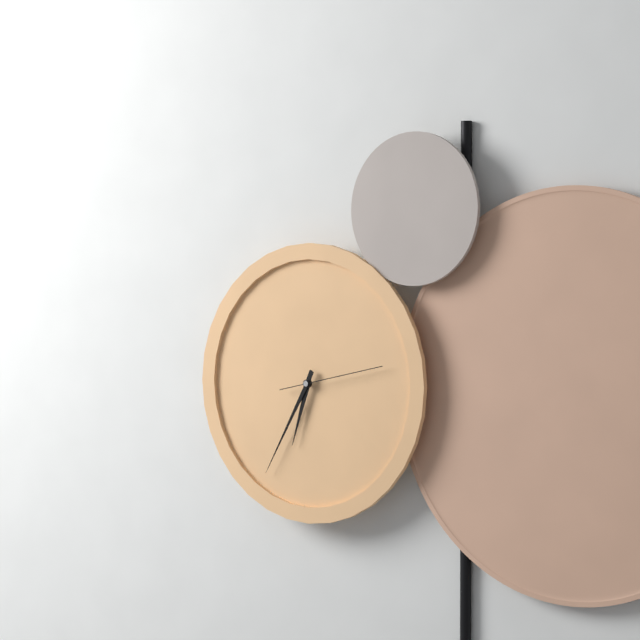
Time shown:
{"hour": 6, "minute": 35, "second": 13}
